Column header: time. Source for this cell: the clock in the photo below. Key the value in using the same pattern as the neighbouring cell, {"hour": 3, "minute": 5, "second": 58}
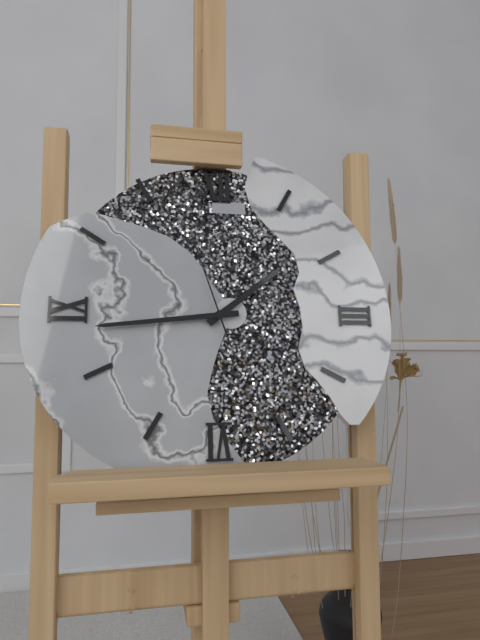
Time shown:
{"hour": 1, "minute": 44, "second": 57}
